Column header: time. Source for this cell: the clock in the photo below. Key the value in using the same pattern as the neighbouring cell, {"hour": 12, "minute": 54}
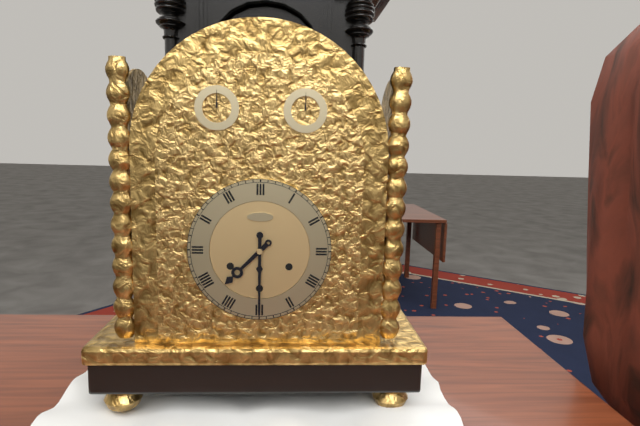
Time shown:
{"hour": 7, "minute": 30}
